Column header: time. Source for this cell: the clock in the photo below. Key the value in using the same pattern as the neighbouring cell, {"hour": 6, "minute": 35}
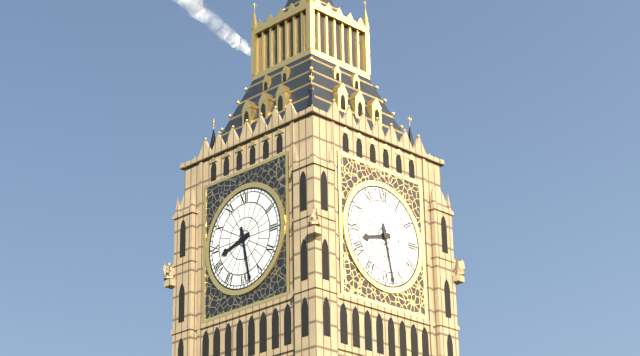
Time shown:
{"hour": 8, "minute": 28}
